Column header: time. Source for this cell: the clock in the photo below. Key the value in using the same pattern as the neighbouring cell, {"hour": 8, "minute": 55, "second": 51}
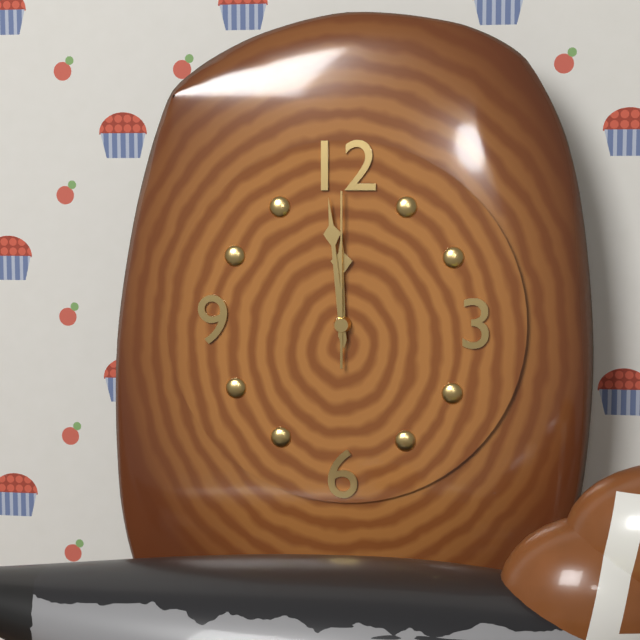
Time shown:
{"hour": 11, "minute": 59, "second": 0}
